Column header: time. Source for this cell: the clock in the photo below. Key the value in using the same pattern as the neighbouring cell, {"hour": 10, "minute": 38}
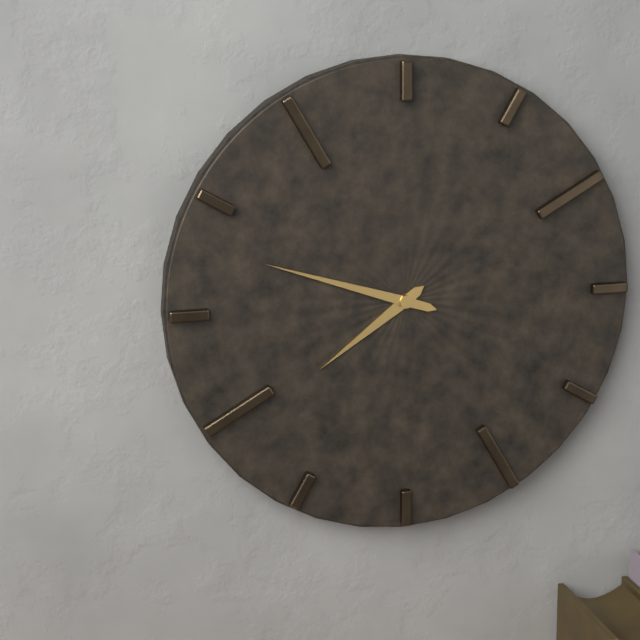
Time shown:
{"hour": 7, "minute": 48}
